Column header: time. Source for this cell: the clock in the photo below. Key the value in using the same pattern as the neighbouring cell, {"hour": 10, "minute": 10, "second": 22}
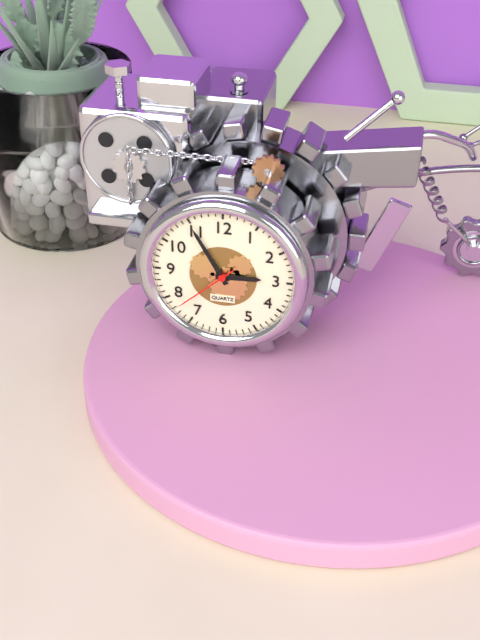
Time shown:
{"hour": 2, "minute": 55, "second": 38}
